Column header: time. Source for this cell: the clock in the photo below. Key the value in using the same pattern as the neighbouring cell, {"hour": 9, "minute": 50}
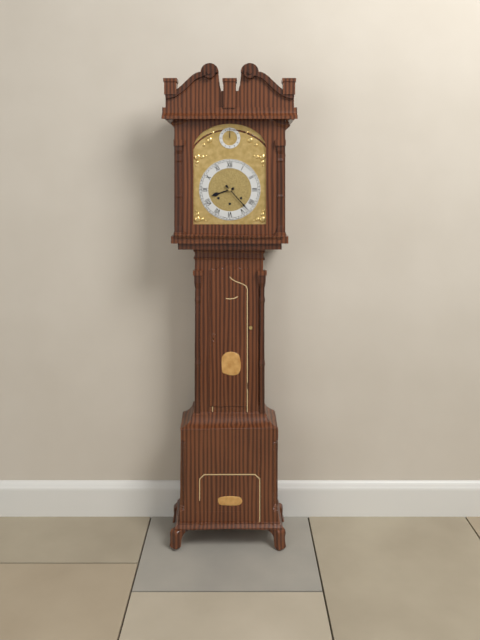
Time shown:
{"hour": 8, "minute": 23}
